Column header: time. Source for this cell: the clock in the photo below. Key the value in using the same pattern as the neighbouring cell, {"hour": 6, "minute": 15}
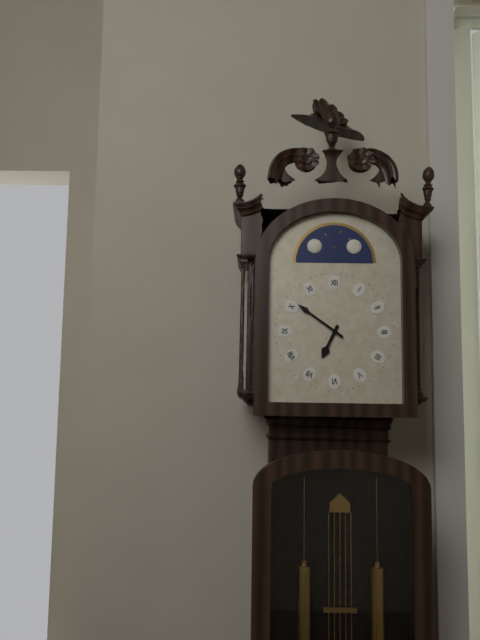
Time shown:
{"hour": 6, "minute": 51}
